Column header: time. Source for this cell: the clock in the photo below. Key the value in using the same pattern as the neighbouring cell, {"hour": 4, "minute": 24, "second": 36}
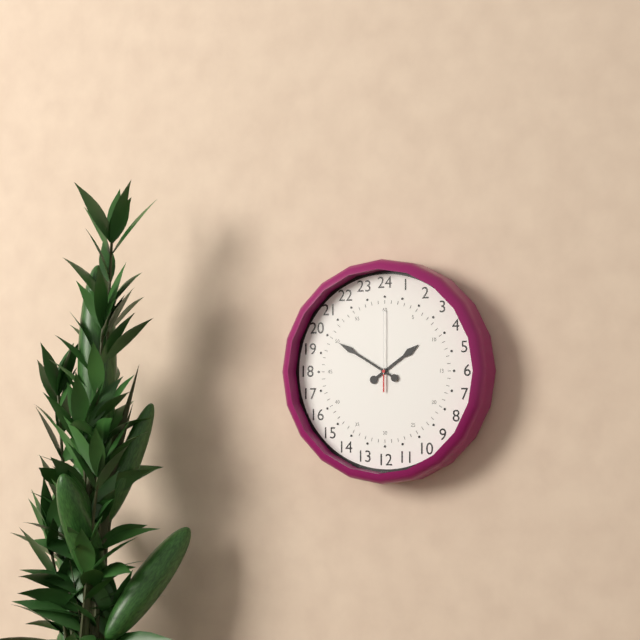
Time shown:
{"hour": 1, "minute": 50, "second": 0}
